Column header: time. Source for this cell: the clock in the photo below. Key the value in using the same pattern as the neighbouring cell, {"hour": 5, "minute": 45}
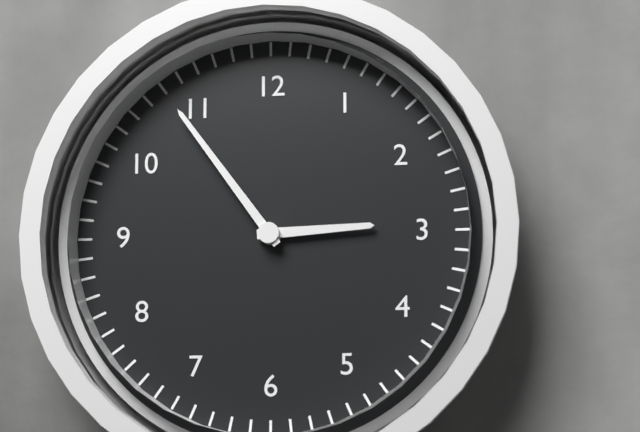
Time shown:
{"hour": 2, "minute": 54}
